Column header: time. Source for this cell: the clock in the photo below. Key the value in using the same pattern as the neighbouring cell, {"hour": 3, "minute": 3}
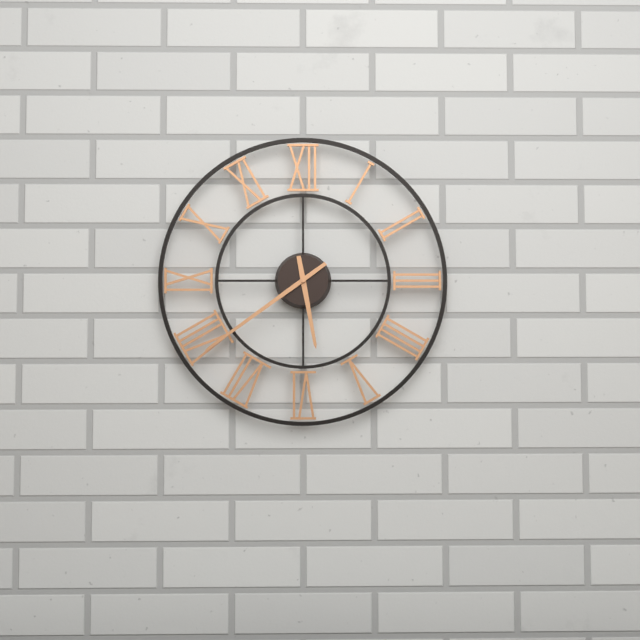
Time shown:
{"hour": 5, "minute": 39}
